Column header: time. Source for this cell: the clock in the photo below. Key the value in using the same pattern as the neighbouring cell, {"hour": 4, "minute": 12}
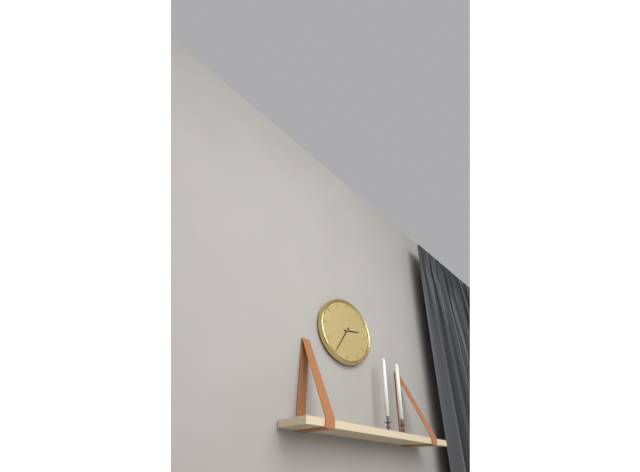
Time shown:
{"hour": 2, "minute": 35}
